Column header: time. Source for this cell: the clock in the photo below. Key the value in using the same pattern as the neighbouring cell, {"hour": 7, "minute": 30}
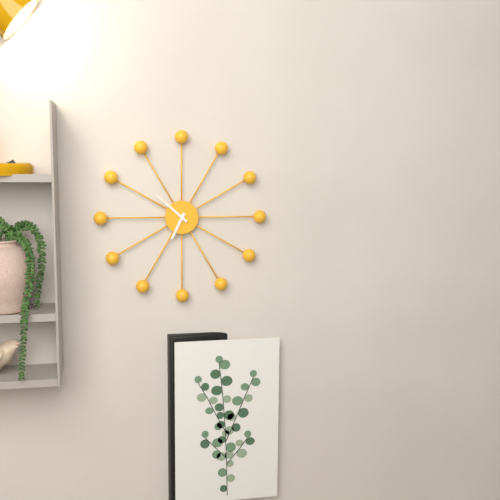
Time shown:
{"hour": 6, "minute": 52}
